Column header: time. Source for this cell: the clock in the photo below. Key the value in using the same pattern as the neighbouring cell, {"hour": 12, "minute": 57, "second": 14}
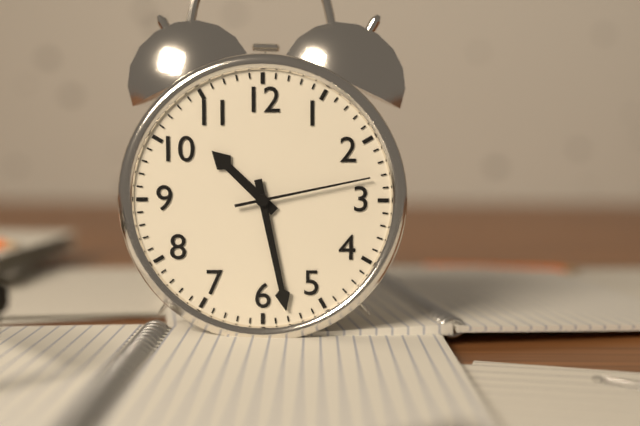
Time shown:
{"hour": 10, "minute": 28, "second": 13}
